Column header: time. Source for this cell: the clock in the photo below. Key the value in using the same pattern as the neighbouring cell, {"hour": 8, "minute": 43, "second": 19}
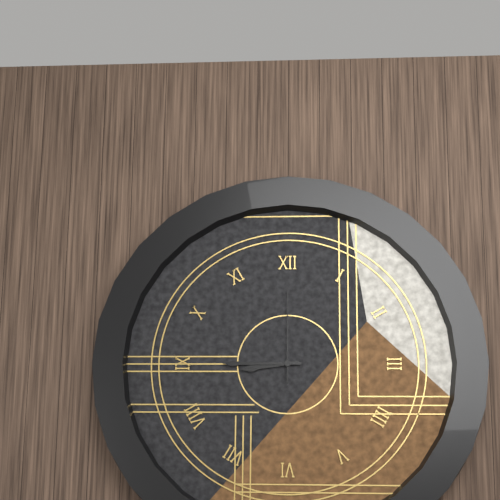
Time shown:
{"hour": 8, "minute": 45, "second": 0}
